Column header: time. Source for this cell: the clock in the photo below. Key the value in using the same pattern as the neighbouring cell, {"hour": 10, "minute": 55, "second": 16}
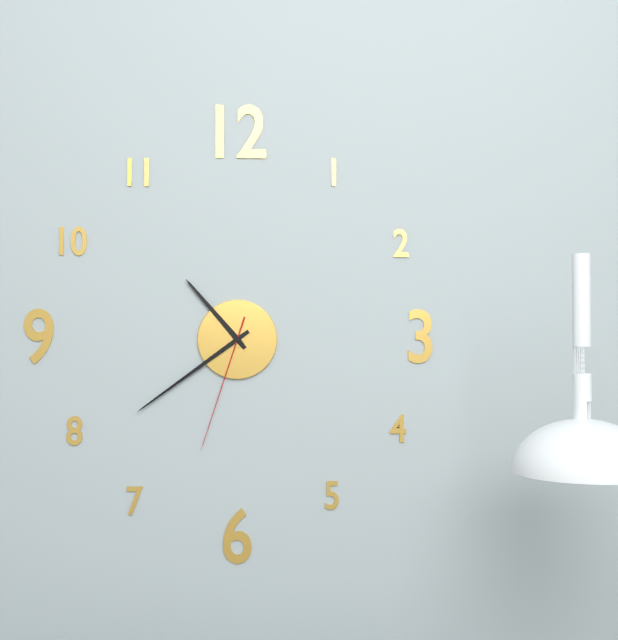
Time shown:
{"hour": 10, "minute": 39, "second": 33}
